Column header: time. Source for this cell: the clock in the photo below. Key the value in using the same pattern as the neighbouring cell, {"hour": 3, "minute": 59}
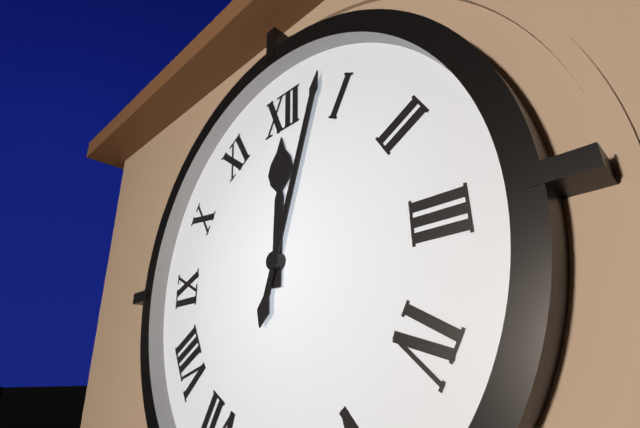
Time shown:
{"hour": 12, "minute": 3}
